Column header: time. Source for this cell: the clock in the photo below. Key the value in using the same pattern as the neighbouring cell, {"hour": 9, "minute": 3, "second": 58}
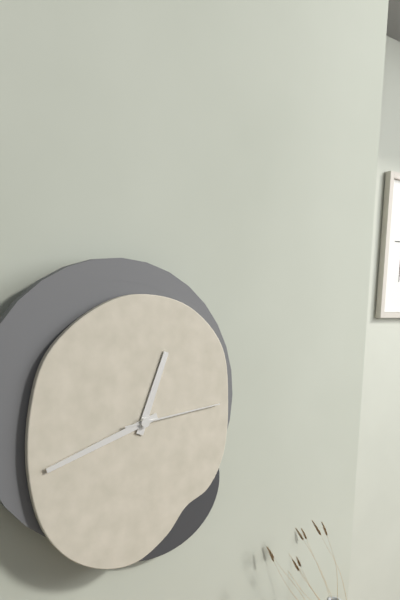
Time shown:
{"hour": 12, "minute": 42, "second": 14}
